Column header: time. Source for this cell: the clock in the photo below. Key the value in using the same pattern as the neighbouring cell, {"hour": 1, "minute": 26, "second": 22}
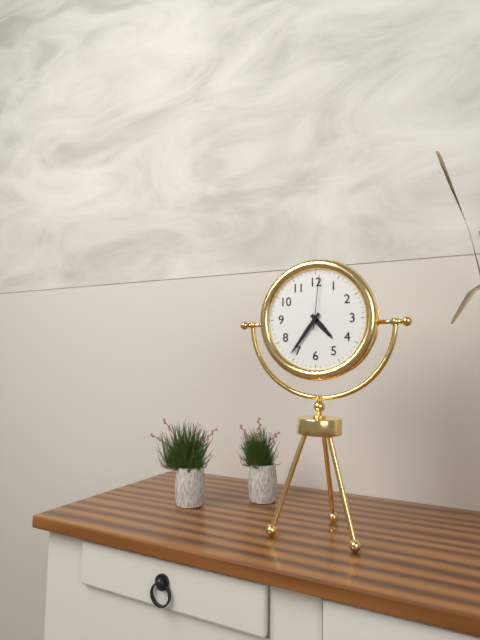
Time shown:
{"hour": 4, "minute": 36, "second": 1}
